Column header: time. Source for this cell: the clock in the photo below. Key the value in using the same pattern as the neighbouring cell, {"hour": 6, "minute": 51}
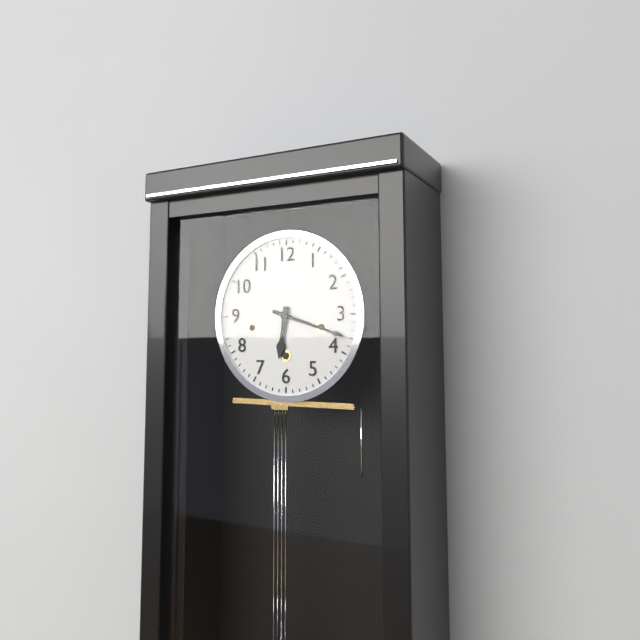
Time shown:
{"hour": 6, "minute": 18}
